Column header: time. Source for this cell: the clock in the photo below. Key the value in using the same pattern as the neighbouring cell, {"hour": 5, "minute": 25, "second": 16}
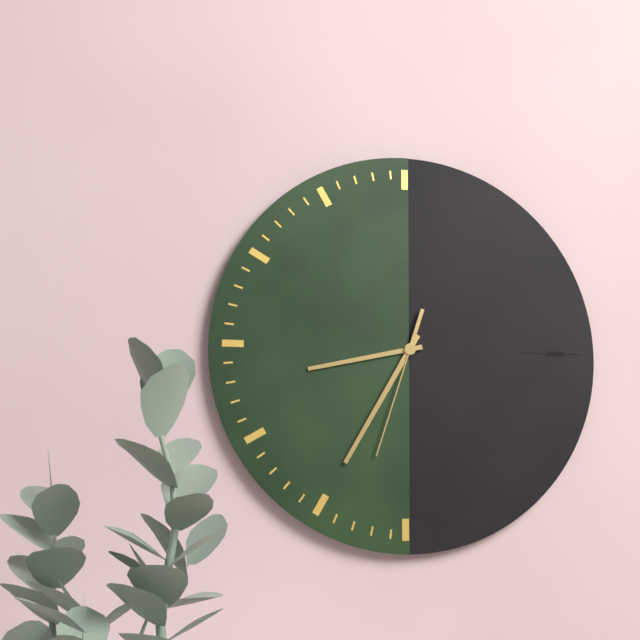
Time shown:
{"hour": 8, "minute": 35, "second": 33}
